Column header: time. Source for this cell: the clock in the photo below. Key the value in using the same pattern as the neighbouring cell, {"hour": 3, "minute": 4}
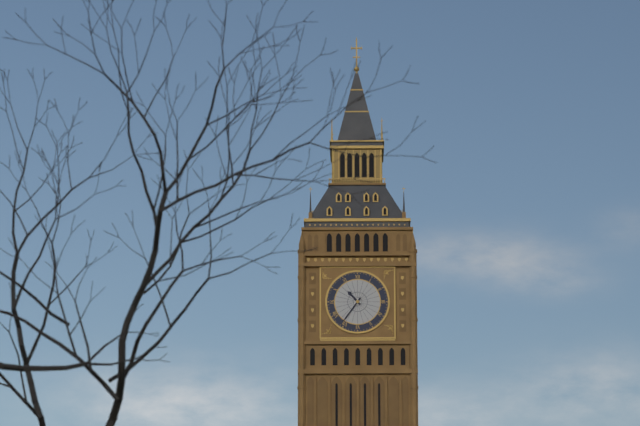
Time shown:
{"hour": 10, "minute": 36}
